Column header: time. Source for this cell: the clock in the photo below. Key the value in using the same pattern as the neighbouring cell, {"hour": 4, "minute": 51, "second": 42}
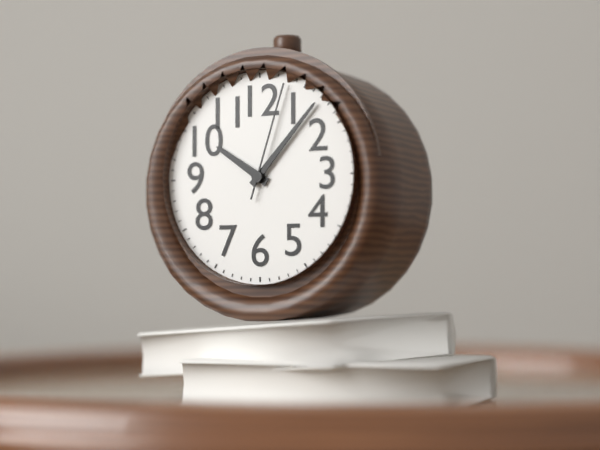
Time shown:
{"hour": 10, "minute": 7, "second": 3}
